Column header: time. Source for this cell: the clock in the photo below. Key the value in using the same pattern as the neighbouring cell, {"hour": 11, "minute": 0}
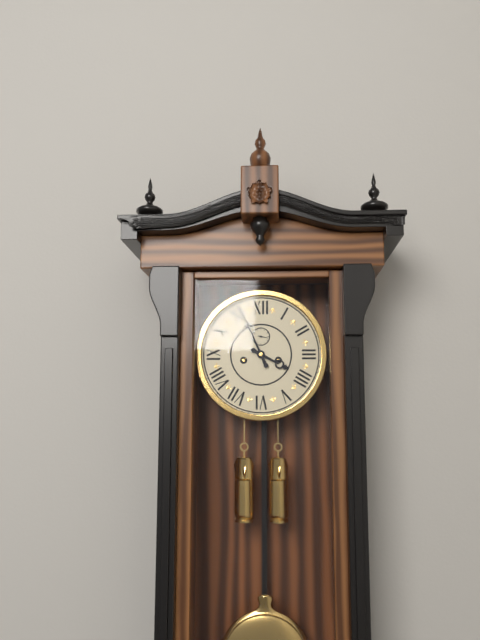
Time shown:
{"hour": 3, "minute": 56}
